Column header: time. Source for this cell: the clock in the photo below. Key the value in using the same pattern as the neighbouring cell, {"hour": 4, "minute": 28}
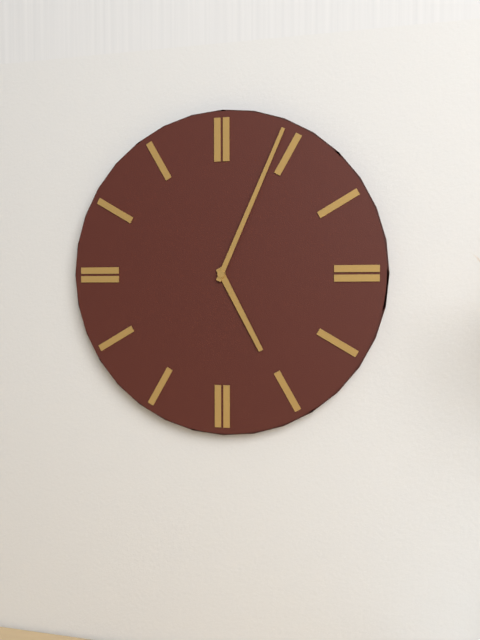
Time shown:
{"hour": 5, "minute": 4}
